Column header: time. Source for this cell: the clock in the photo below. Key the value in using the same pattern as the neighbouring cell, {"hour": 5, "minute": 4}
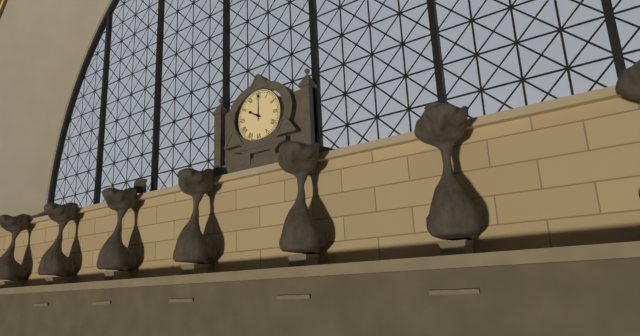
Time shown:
{"hour": 10, "minute": 0}
